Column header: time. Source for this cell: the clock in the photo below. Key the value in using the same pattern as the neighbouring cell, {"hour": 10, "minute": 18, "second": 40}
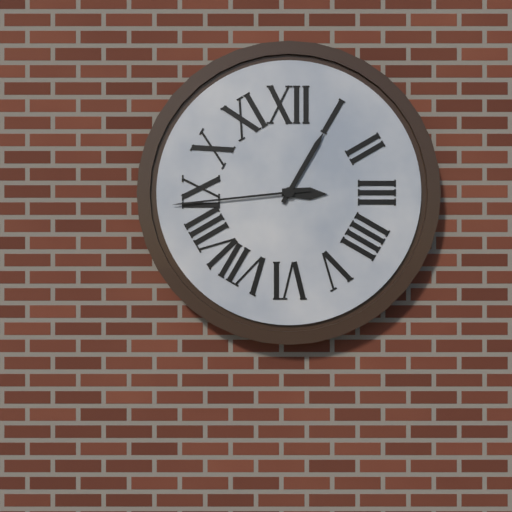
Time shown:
{"hour": 3, "minute": 5, "second": 44}
